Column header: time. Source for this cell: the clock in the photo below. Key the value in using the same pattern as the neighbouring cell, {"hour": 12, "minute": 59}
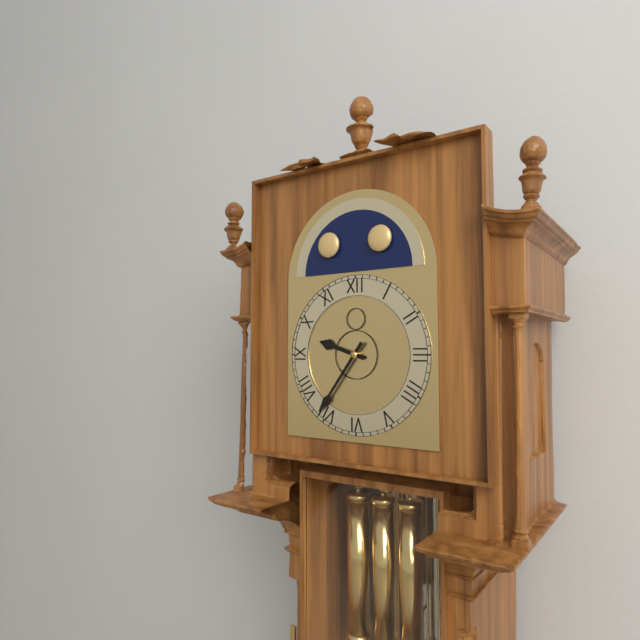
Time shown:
{"hour": 9, "minute": 36}
